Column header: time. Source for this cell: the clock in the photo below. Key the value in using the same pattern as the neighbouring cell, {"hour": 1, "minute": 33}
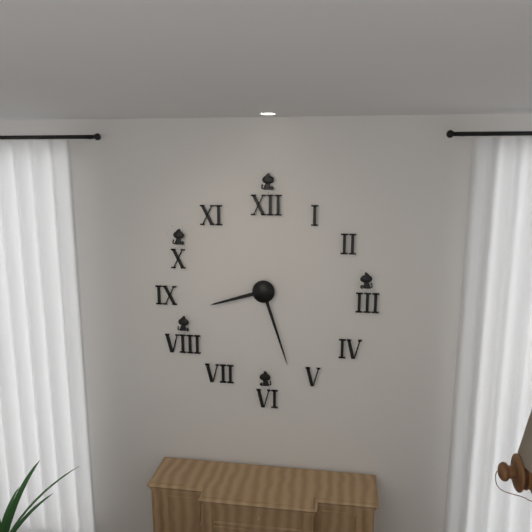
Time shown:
{"hour": 8, "minute": 27}
